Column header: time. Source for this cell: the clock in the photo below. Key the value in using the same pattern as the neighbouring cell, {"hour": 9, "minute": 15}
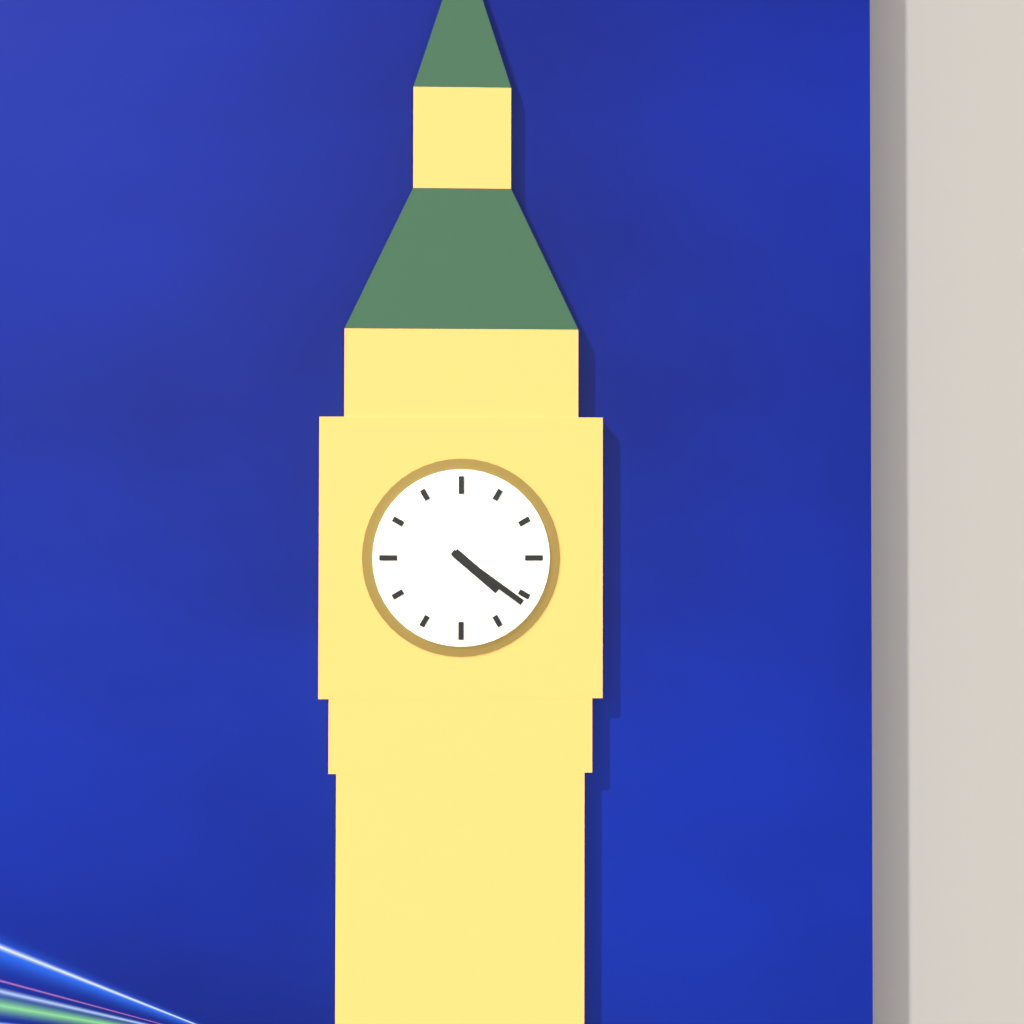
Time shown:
{"hour": 4, "minute": 21}
